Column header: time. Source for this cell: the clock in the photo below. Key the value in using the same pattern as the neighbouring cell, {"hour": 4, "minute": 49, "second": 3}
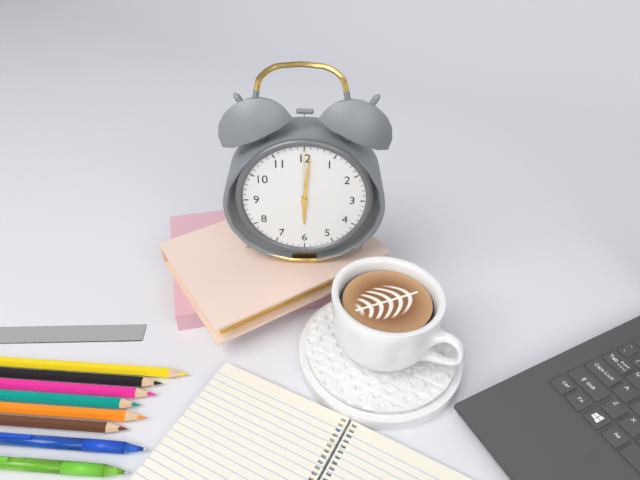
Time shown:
{"hour": 6, "minute": 1, "second": 0}
